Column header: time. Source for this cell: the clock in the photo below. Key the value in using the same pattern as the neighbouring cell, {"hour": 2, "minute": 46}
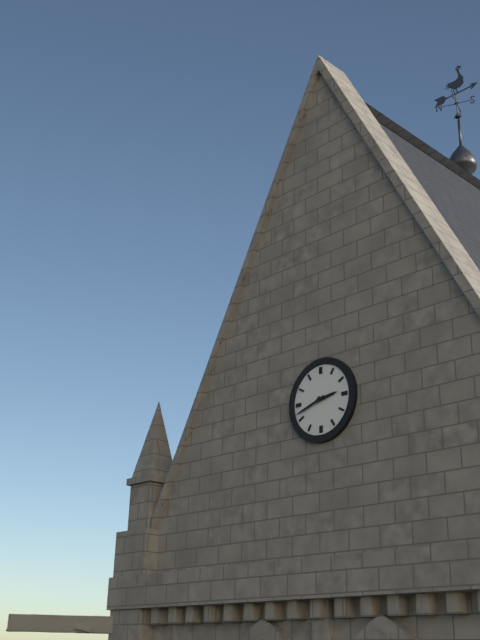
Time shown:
{"hour": 2, "minute": 42}
